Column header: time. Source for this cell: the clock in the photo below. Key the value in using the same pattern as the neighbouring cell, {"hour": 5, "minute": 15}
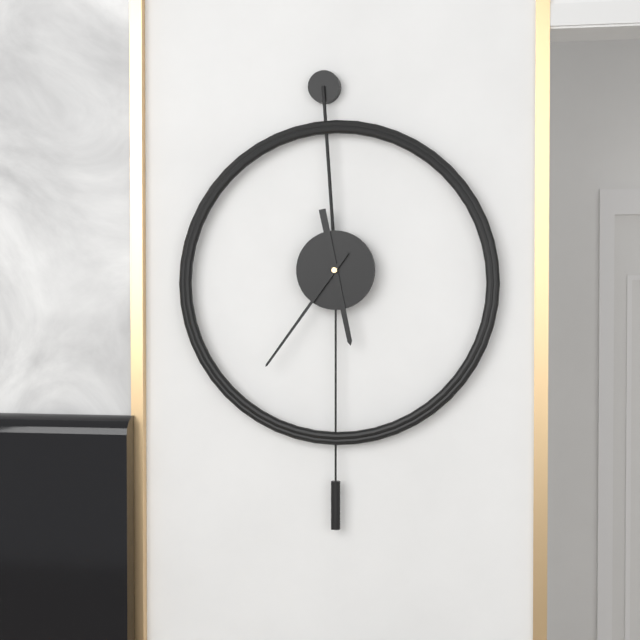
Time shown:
{"hour": 5, "minute": 36}
